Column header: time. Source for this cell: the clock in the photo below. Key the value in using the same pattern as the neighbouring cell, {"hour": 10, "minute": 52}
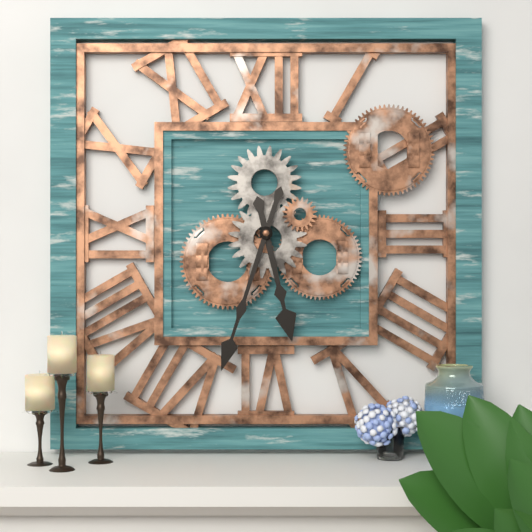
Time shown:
{"hour": 5, "minute": 33}
